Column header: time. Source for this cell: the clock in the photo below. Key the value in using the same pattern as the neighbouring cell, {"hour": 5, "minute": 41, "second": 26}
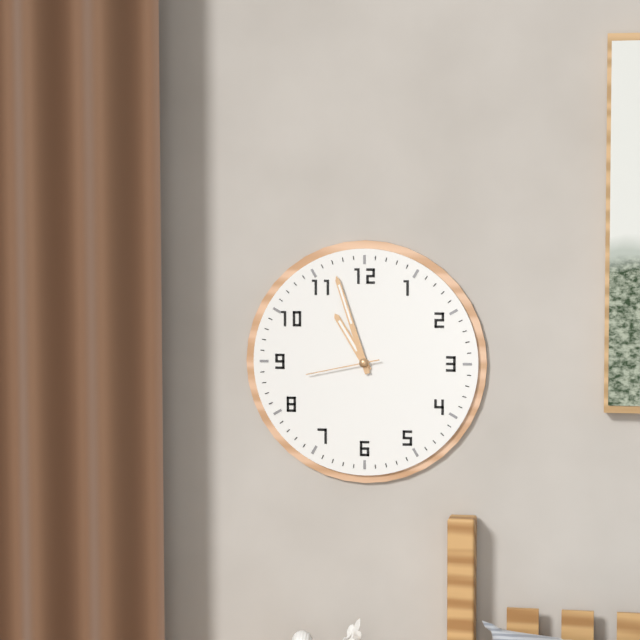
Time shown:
{"hour": 10, "minute": 57, "second": 43}
